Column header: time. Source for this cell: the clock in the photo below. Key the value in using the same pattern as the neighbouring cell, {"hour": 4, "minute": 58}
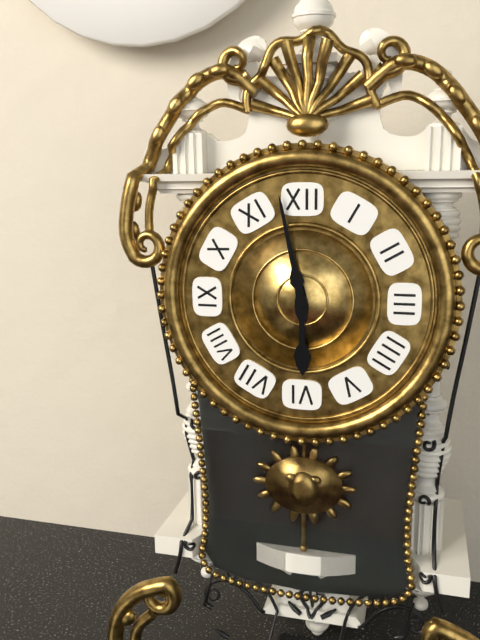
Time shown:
{"hour": 5, "minute": 58}
